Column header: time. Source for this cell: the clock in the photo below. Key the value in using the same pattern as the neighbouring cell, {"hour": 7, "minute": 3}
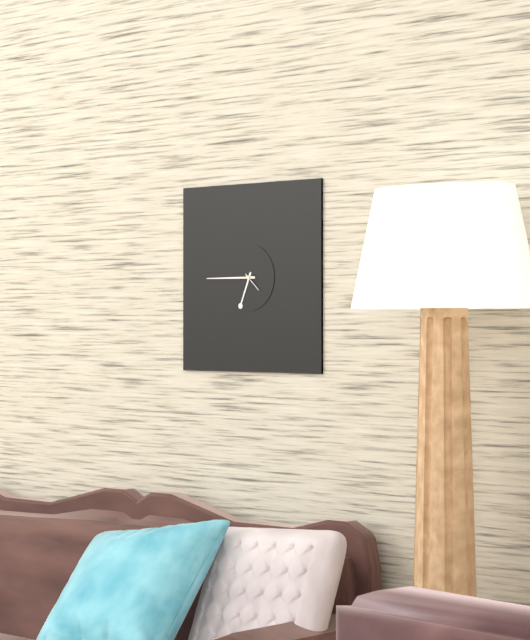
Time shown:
{"hour": 6, "minute": 45}
